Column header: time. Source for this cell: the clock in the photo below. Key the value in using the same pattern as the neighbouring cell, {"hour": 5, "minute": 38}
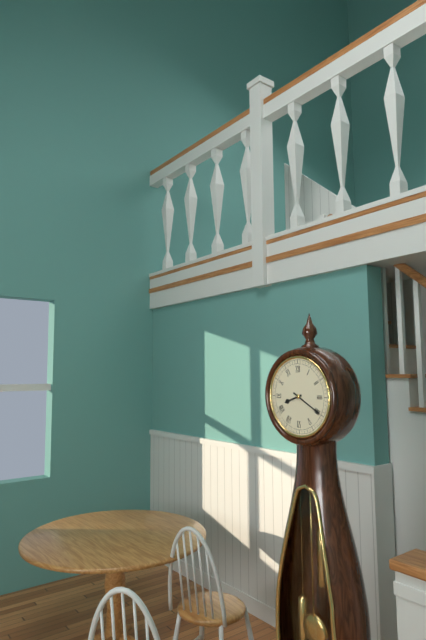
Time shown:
{"hour": 8, "minute": 20}
